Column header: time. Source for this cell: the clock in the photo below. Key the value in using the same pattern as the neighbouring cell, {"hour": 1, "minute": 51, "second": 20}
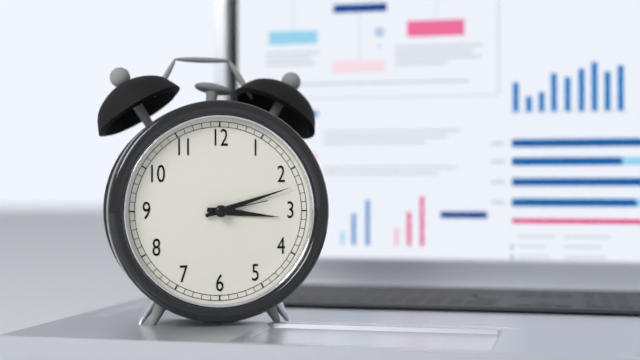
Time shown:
{"hour": 3, "minute": 12, "second": 13}
